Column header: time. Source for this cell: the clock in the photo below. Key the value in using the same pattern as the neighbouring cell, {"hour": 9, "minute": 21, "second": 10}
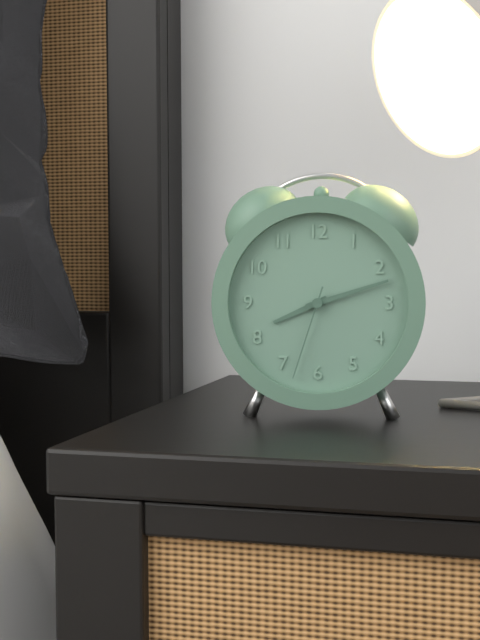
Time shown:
{"hour": 8, "minute": 12, "second": 33}
